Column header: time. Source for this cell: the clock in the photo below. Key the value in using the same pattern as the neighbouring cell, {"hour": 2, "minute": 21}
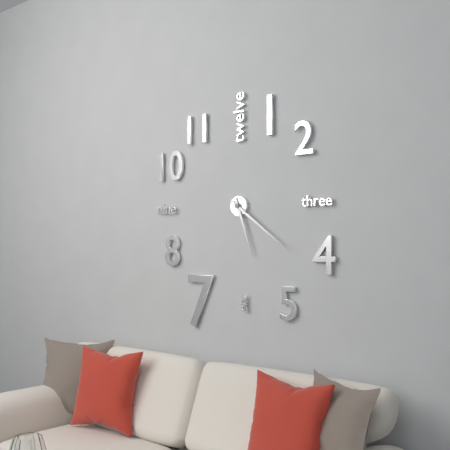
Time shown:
{"hour": 5, "minute": 21}
